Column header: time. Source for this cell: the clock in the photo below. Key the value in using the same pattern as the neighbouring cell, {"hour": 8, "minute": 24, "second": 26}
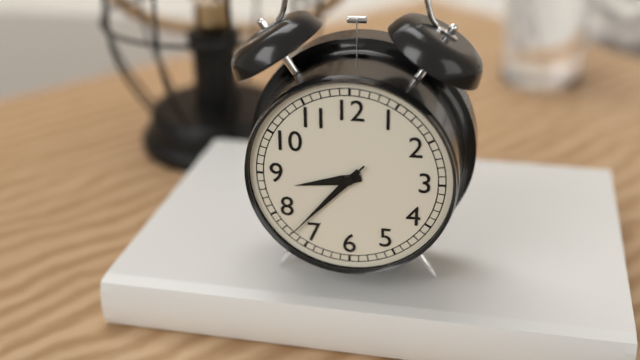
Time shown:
{"hour": 8, "minute": 37, "second": 37}
